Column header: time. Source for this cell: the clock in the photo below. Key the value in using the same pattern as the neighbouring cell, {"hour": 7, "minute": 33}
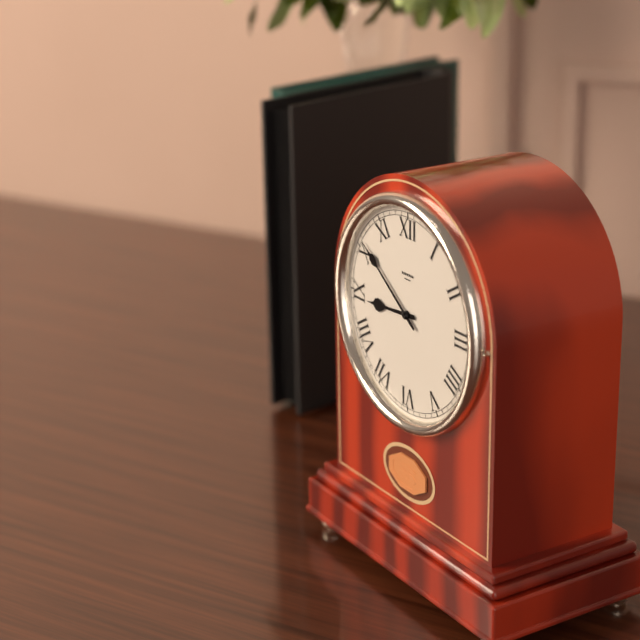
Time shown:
{"hour": 8, "minute": 51}
